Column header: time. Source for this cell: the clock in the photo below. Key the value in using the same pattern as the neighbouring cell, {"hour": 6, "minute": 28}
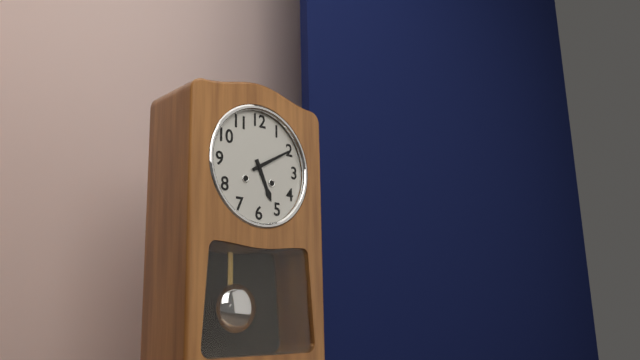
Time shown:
{"hour": 5, "minute": 10}
